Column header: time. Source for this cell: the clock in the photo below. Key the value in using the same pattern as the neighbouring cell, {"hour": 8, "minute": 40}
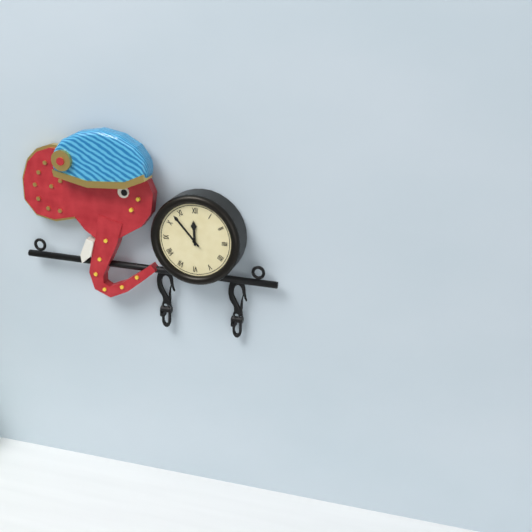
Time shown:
{"hour": 11, "minute": 53}
